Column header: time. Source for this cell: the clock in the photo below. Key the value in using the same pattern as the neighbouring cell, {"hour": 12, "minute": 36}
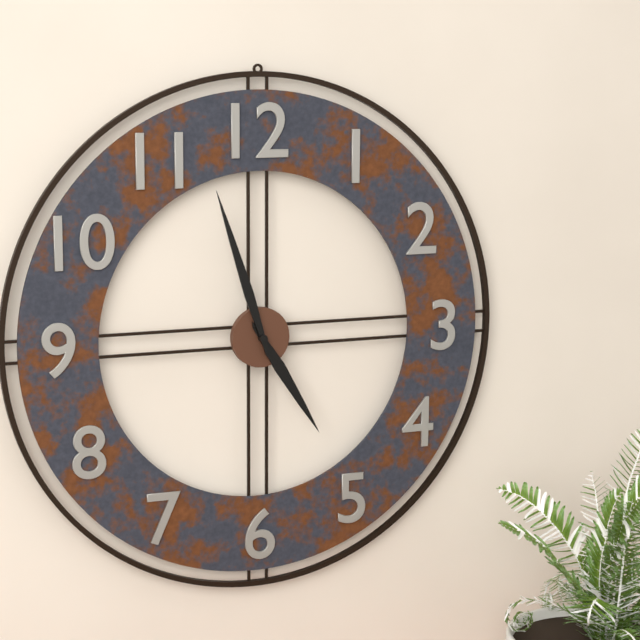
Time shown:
{"hour": 4, "minute": 57}
